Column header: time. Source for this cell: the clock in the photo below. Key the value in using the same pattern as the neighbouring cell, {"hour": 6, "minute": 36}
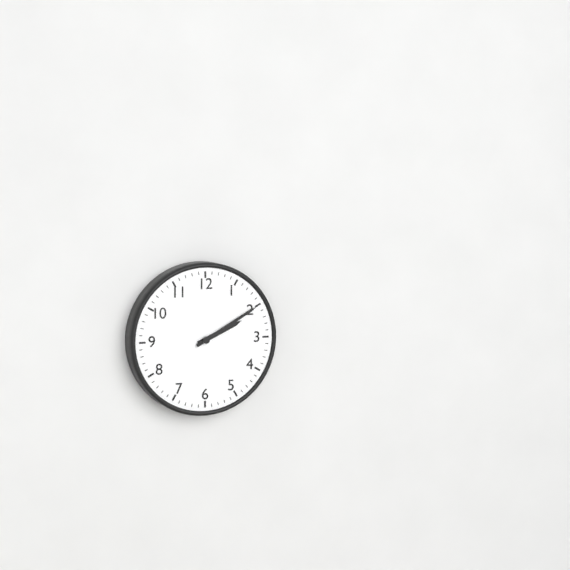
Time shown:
{"hour": 2, "minute": 10}
